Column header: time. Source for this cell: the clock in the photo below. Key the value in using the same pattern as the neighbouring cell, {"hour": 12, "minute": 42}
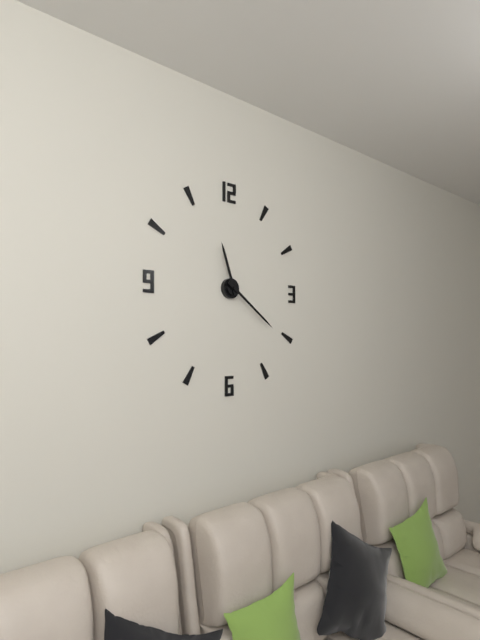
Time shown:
{"hour": 11, "minute": 21}
